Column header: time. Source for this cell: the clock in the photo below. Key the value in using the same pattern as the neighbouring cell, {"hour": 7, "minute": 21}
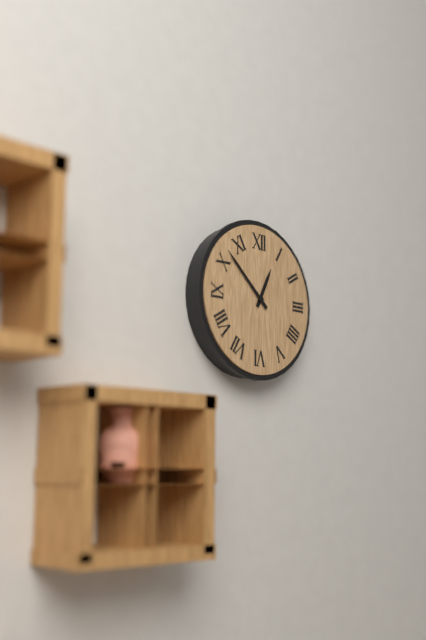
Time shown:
{"hour": 12, "minute": 52}
